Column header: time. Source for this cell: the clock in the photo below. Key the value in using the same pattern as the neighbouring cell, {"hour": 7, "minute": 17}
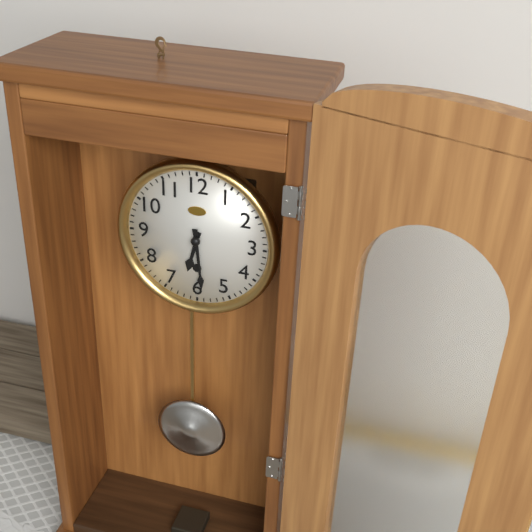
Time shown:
{"hour": 6, "minute": 29}
